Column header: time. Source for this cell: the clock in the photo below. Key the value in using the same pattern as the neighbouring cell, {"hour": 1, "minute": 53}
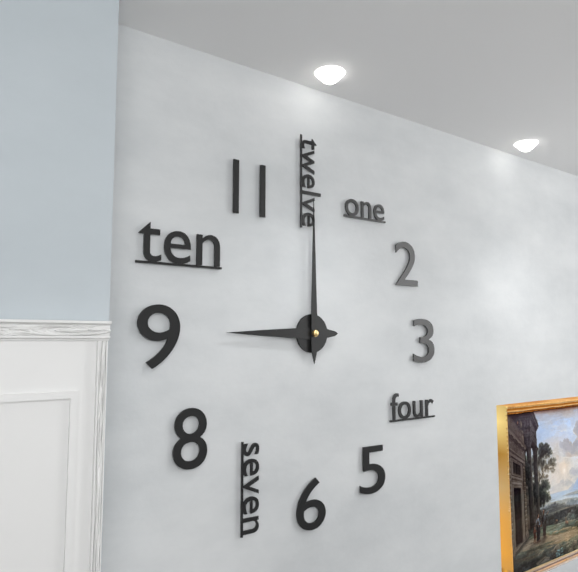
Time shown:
{"hour": 9, "minute": 0}
